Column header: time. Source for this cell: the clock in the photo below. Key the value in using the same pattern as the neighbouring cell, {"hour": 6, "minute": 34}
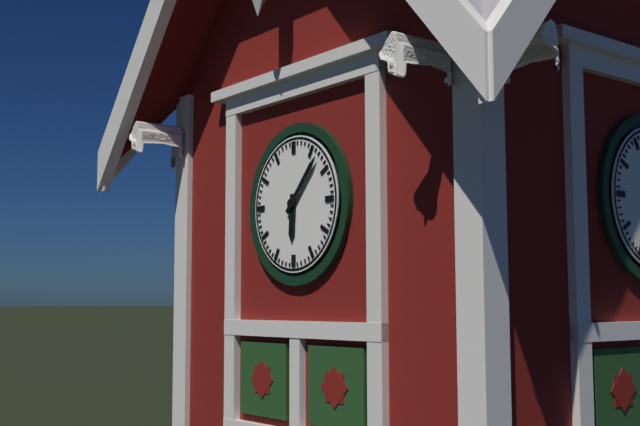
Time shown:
{"hour": 6, "minute": 7}
